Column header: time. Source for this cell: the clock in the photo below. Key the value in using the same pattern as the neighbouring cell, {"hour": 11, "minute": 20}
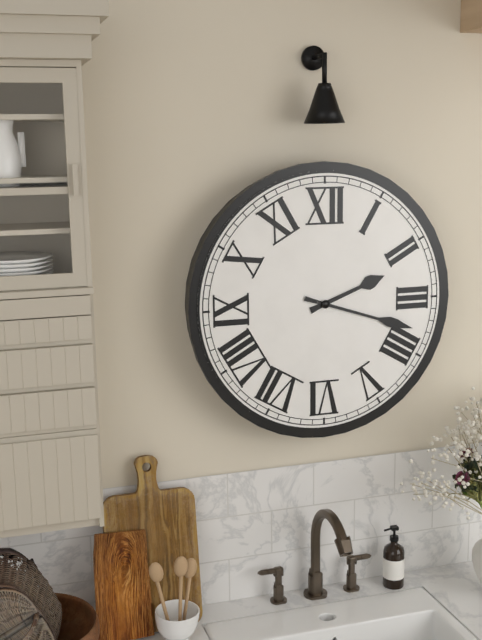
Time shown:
{"hour": 2, "minute": 18}
